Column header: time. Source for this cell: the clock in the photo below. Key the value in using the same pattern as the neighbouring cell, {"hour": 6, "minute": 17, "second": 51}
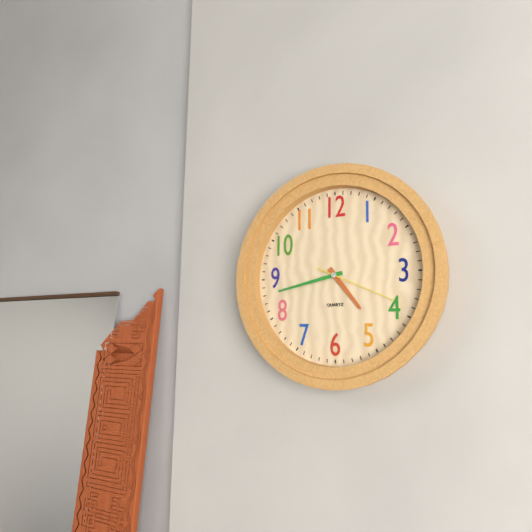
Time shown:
{"hour": 4, "minute": 43, "second": 19}
